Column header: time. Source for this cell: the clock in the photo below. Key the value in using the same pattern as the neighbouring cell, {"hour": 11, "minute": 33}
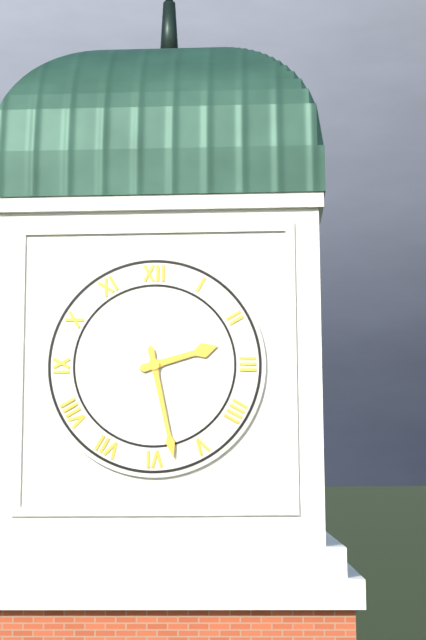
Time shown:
{"hour": 2, "minute": 28}
